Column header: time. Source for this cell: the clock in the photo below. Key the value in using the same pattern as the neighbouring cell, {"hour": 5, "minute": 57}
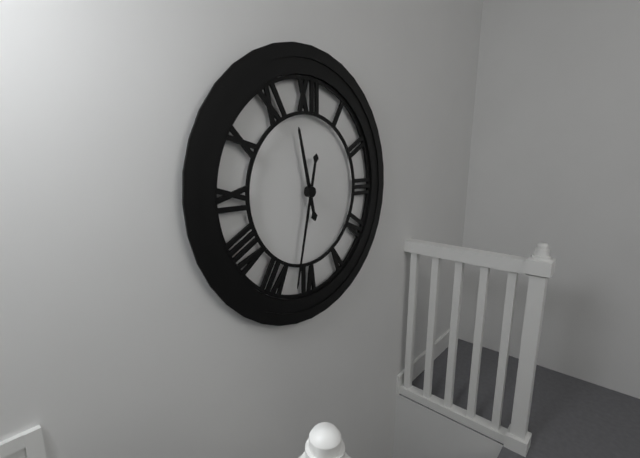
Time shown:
{"hour": 11, "minute": 32}
